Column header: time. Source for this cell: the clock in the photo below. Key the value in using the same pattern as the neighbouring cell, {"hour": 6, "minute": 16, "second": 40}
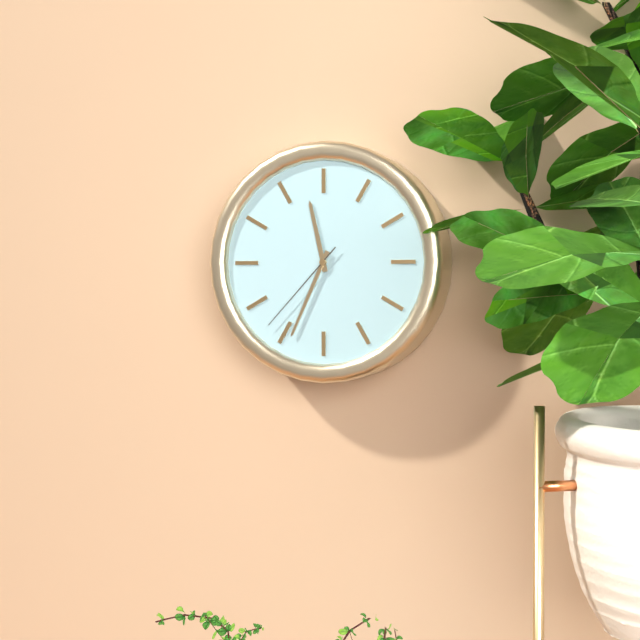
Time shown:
{"hour": 11, "minute": 34, "second": 37}
